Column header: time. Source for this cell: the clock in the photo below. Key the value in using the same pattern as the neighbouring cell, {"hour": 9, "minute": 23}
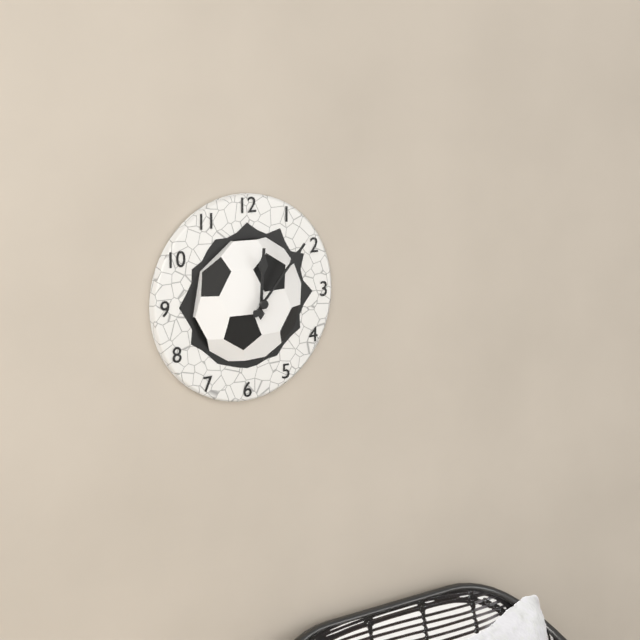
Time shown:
{"hour": 12, "minute": 7}
